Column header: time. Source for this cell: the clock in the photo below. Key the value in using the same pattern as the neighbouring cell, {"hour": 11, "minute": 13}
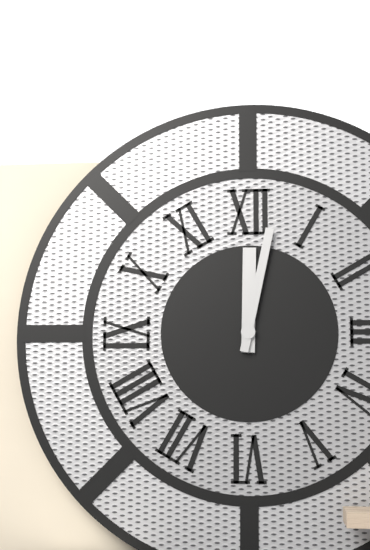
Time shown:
{"hour": 12, "minute": 2}
